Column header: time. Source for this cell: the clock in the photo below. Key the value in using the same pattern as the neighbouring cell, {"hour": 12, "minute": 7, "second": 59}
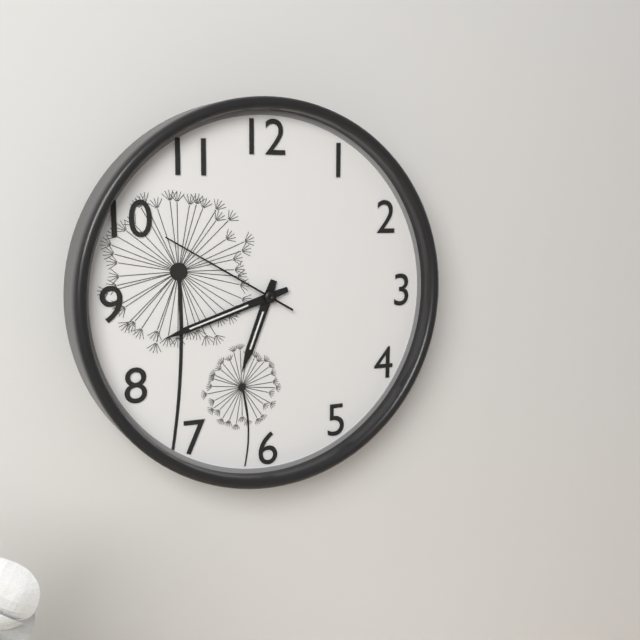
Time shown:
{"hour": 6, "minute": 42, "second": 50}
